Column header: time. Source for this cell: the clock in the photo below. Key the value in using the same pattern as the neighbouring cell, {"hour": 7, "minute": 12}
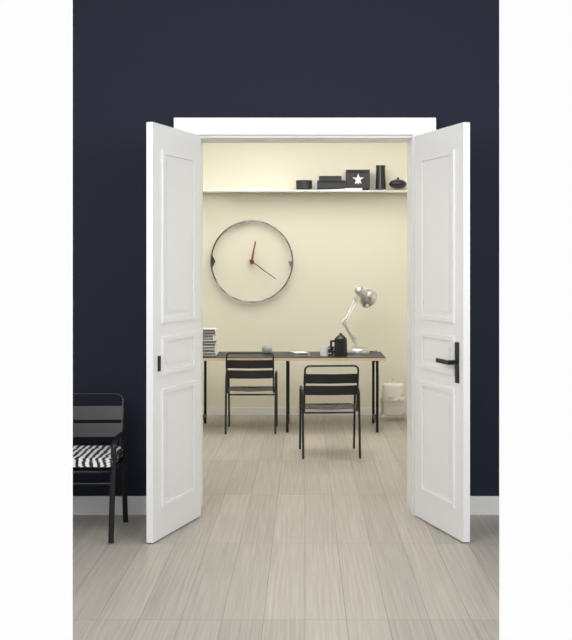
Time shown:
{"hour": 12, "minute": 21}
